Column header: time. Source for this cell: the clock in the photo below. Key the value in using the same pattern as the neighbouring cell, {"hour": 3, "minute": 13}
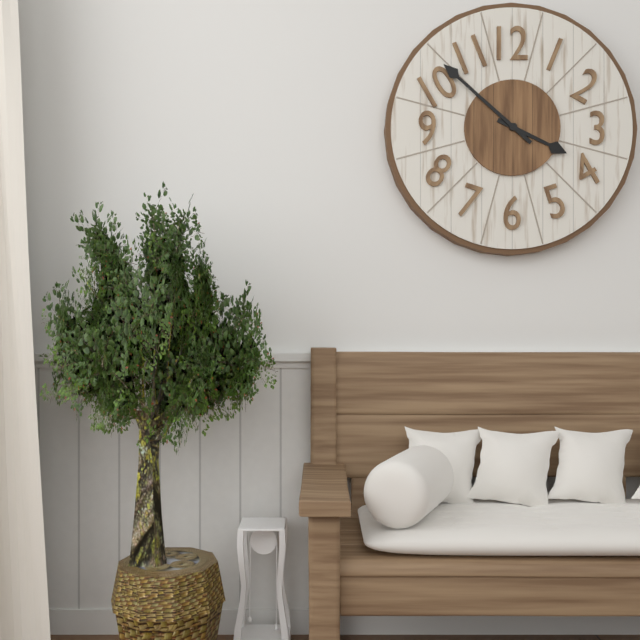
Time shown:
{"hour": 3, "minute": 52}
